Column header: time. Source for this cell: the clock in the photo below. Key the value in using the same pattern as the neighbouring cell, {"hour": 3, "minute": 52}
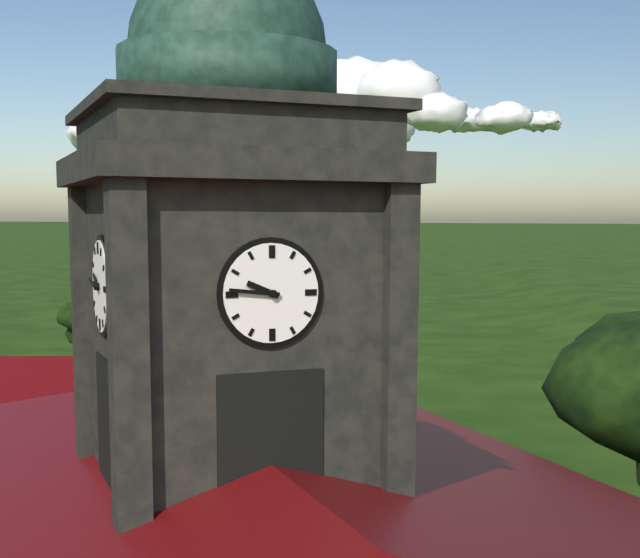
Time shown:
{"hour": 9, "minute": 46}
